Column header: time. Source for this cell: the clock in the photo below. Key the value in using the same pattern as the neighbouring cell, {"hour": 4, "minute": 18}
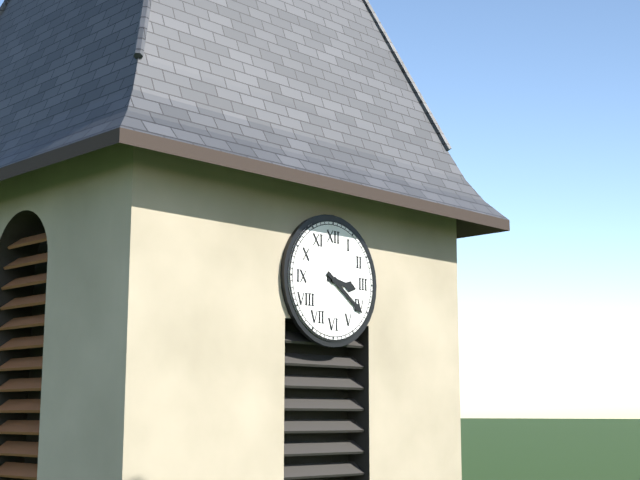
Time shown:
{"hour": 3, "minute": 21}
